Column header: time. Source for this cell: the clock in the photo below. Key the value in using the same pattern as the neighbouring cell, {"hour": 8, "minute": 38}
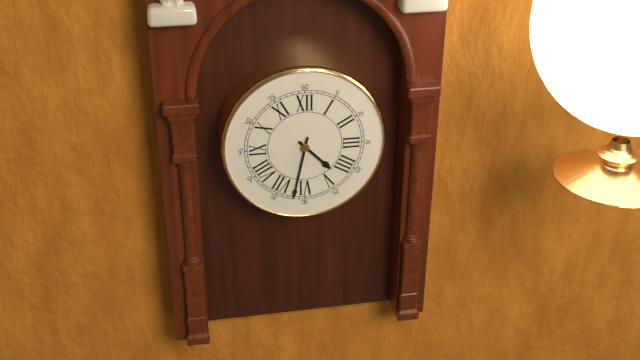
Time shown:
{"hour": 4, "minute": 32}
